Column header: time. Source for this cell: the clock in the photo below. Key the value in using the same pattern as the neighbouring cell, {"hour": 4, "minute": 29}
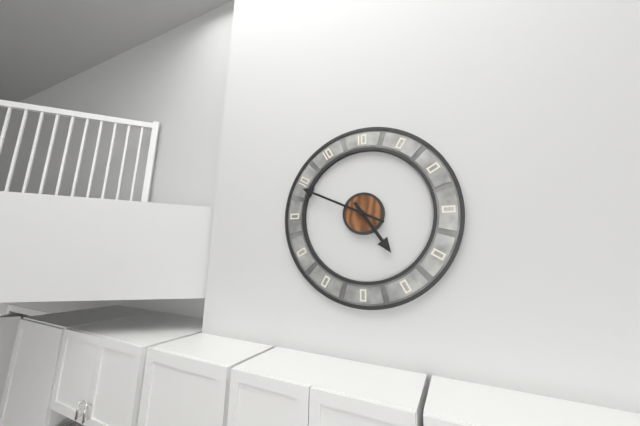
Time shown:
{"hour": 4, "minute": 49}
